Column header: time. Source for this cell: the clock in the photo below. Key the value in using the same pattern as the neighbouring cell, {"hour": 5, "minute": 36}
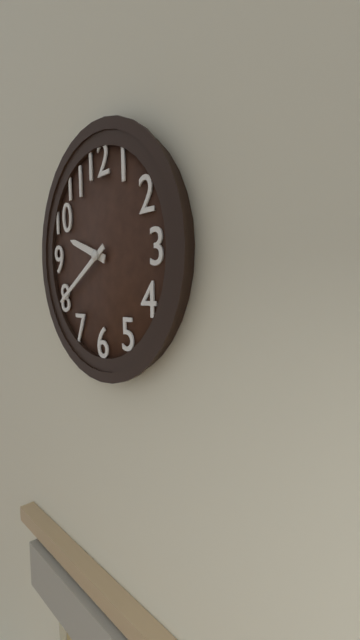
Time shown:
{"hour": 9, "minute": 40}
